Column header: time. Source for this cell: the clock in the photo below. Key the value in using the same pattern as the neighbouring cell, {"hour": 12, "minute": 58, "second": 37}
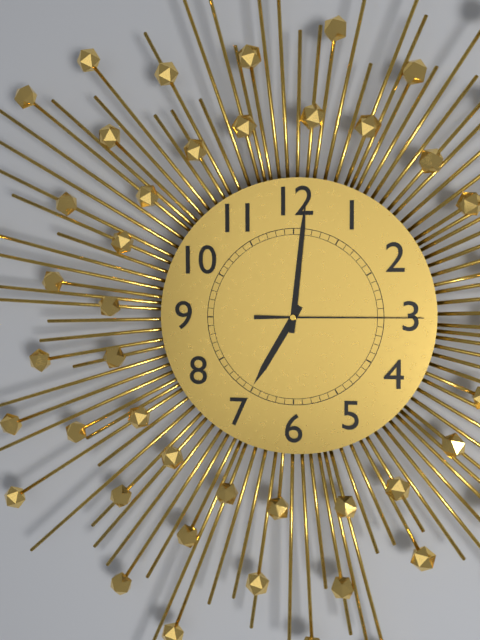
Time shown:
{"hour": 7, "minute": 1, "second": 15}
